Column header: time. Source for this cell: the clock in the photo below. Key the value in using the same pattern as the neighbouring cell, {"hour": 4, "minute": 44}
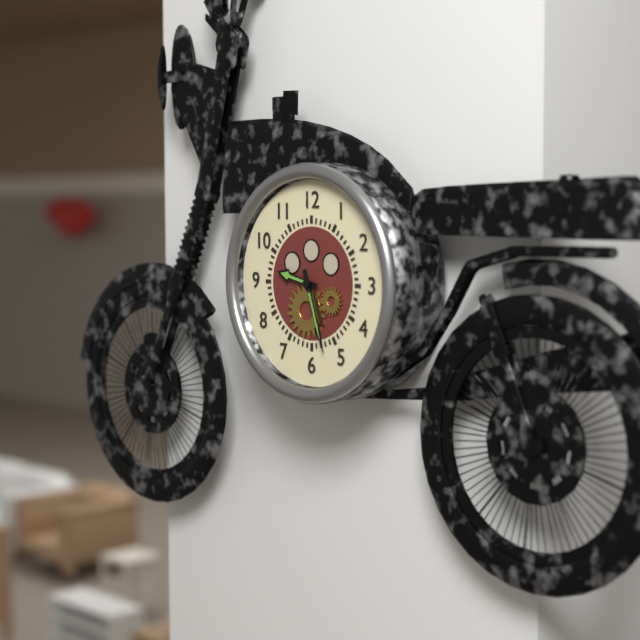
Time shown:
{"hour": 9, "minute": 27}
